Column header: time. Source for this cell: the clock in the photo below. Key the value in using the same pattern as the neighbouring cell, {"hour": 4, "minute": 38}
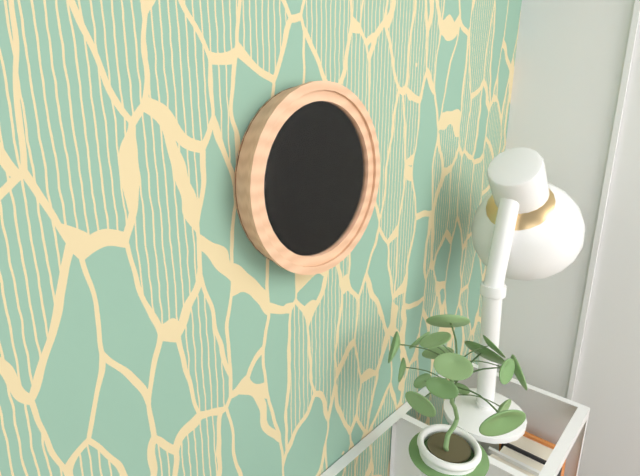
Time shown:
{"hour": 6, "minute": 9}
